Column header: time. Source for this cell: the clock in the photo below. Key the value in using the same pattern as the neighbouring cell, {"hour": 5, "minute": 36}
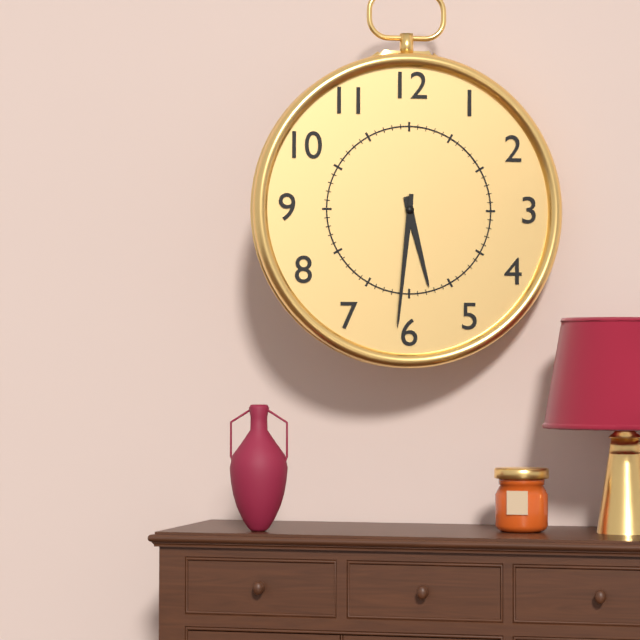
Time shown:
{"hour": 5, "minute": 31}
